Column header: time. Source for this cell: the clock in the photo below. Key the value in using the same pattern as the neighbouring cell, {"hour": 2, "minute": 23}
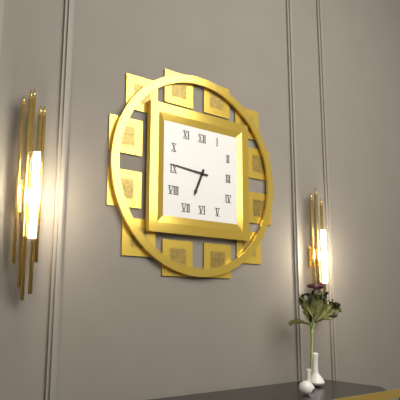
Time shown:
{"hour": 6, "minute": 46}
